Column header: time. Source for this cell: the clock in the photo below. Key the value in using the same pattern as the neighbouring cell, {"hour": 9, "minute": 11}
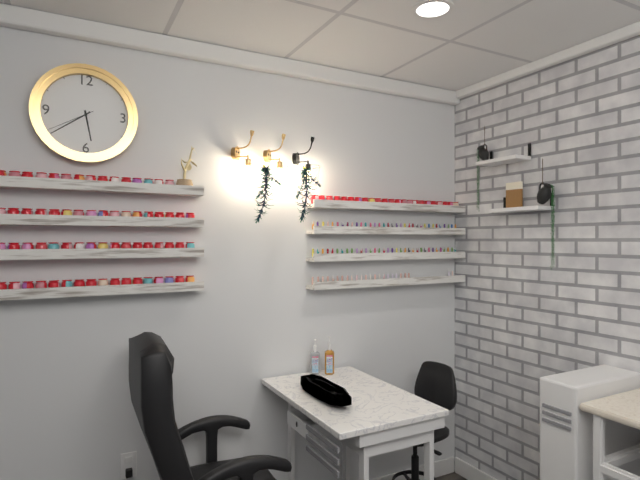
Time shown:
{"hour": 5, "minute": 39}
